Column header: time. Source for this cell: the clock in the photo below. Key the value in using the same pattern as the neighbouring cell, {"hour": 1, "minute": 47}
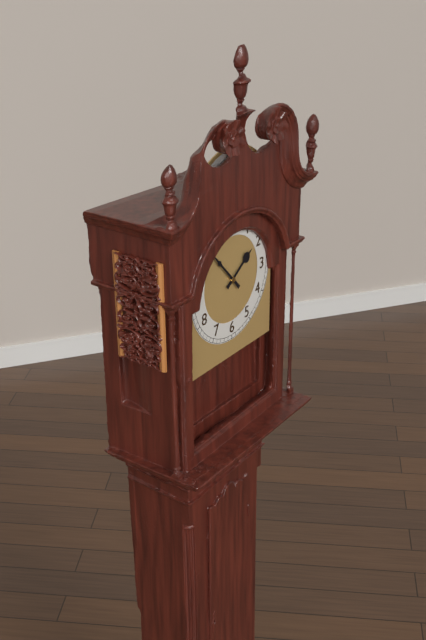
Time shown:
{"hour": 1, "minute": 53}
